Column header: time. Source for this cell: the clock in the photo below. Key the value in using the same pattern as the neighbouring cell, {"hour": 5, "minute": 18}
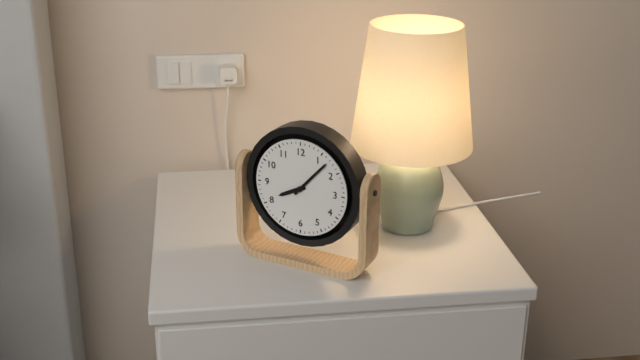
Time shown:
{"hour": 8, "minute": 7}
